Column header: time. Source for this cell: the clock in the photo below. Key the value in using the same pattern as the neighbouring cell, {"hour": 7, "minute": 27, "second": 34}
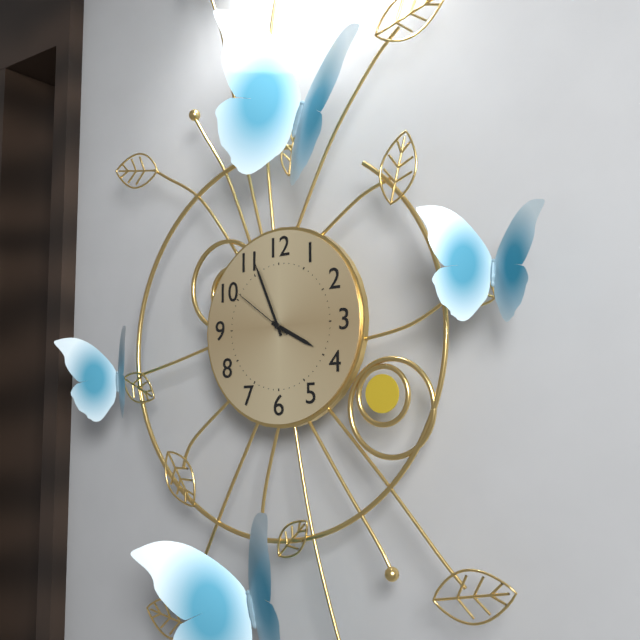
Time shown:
{"hour": 3, "minute": 56, "second": 51}
